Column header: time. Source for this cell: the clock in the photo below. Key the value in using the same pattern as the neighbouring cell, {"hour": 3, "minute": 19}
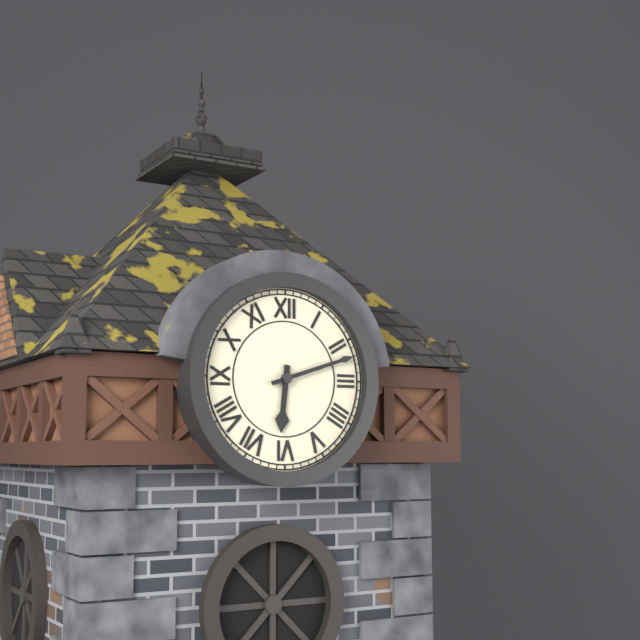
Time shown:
{"hour": 6, "minute": 12}
